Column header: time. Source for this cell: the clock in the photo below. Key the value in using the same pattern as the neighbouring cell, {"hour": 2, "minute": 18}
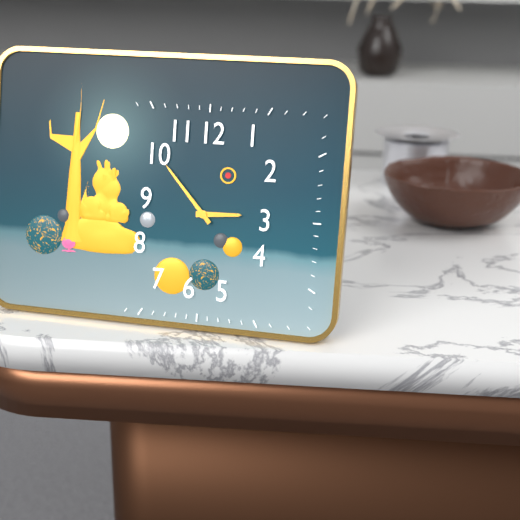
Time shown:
{"hour": 2, "minute": 53}
